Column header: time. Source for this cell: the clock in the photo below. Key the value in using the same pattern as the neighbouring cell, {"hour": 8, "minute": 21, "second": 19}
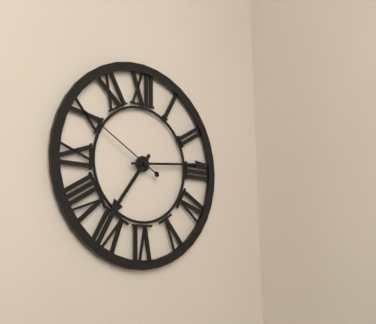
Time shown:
{"hour": 7, "minute": 14, "second": 50}
